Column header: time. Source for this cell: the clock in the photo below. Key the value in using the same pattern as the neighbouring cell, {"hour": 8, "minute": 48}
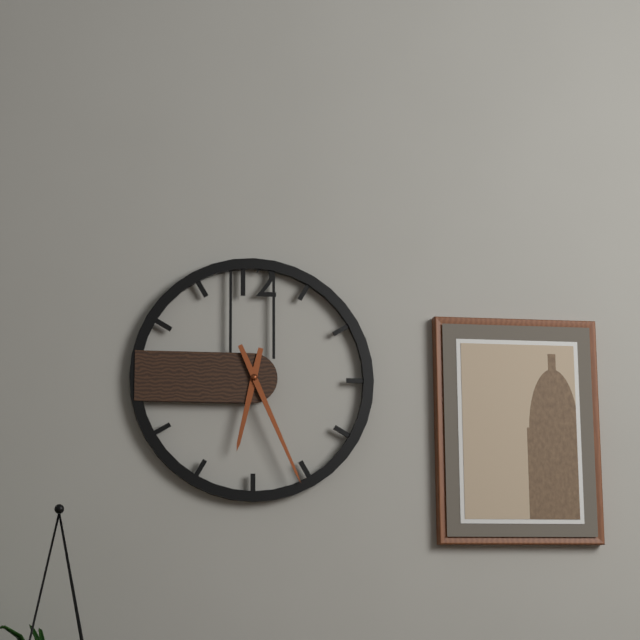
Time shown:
{"hour": 6, "minute": 26}
